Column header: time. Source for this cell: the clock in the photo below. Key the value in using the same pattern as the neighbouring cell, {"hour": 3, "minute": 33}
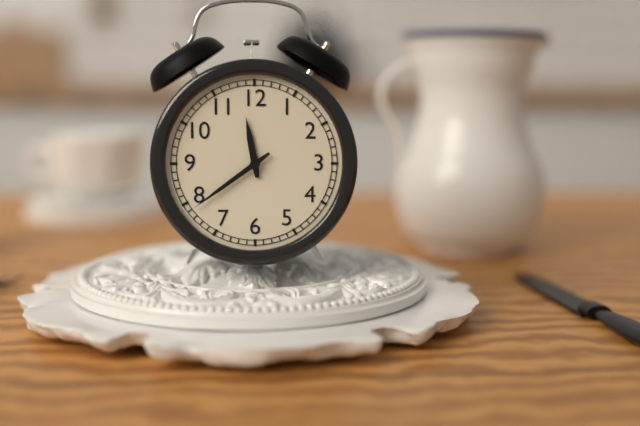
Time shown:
{"hour": 11, "minute": 39}
